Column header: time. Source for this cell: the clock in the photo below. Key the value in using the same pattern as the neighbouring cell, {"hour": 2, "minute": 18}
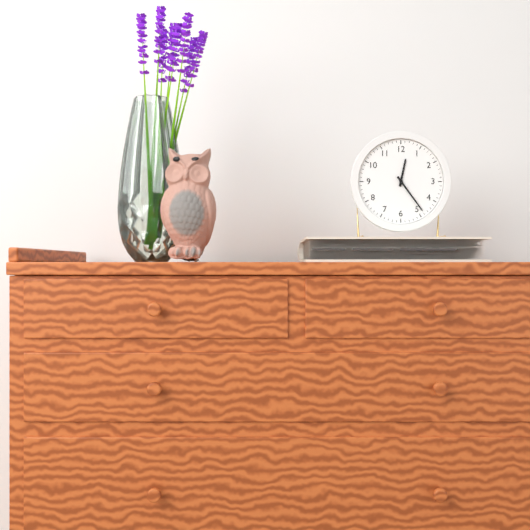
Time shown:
{"hour": 12, "minute": 24}
